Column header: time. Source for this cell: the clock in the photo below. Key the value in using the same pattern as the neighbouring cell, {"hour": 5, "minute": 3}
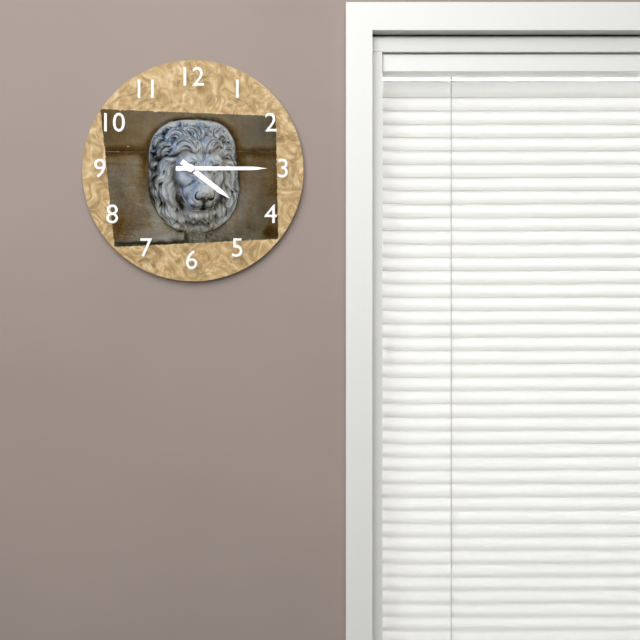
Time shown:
{"hour": 4, "minute": 15}
